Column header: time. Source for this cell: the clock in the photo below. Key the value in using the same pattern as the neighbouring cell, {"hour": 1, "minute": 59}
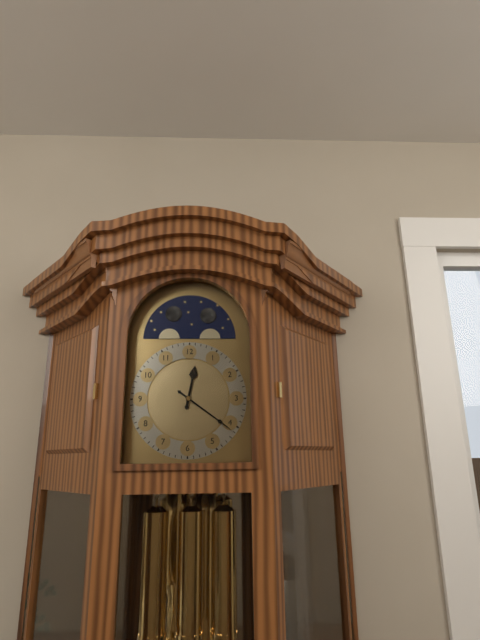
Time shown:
{"hour": 12, "minute": 21}
